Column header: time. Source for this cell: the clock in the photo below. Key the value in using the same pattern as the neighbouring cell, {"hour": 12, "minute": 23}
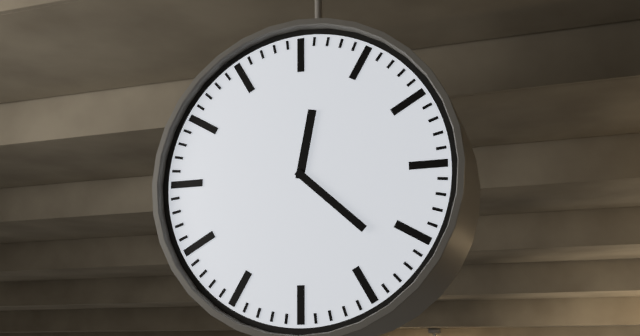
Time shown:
{"hour": 12, "minute": 22}
